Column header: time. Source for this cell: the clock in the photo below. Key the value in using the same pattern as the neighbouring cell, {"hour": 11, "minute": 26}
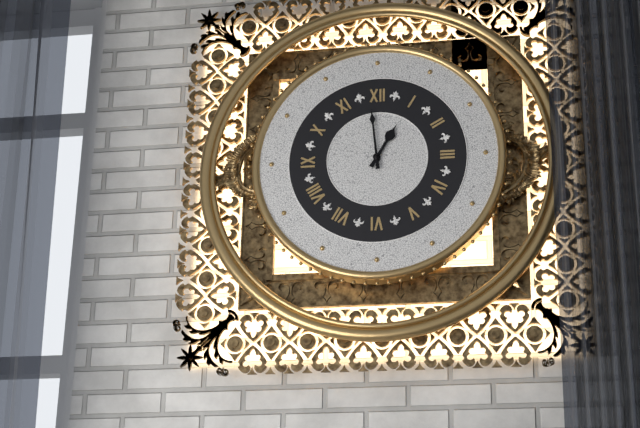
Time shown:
{"hour": 12, "minute": 59}
